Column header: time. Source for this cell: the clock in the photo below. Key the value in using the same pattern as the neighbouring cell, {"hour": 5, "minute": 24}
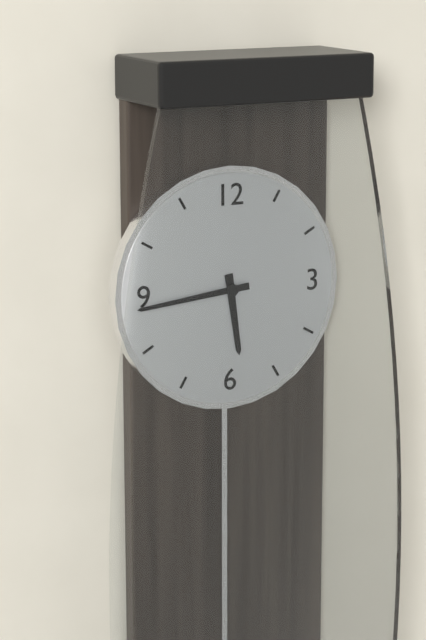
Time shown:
{"hour": 5, "minute": 44}
